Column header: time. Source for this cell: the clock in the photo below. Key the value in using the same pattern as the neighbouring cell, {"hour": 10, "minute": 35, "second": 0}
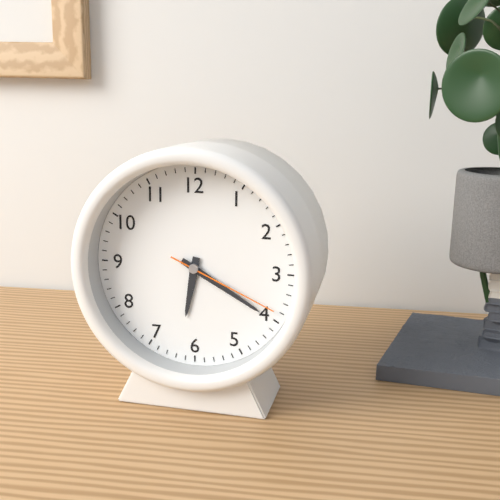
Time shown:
{"hour": 6, "minute": 20, "second": 19}
